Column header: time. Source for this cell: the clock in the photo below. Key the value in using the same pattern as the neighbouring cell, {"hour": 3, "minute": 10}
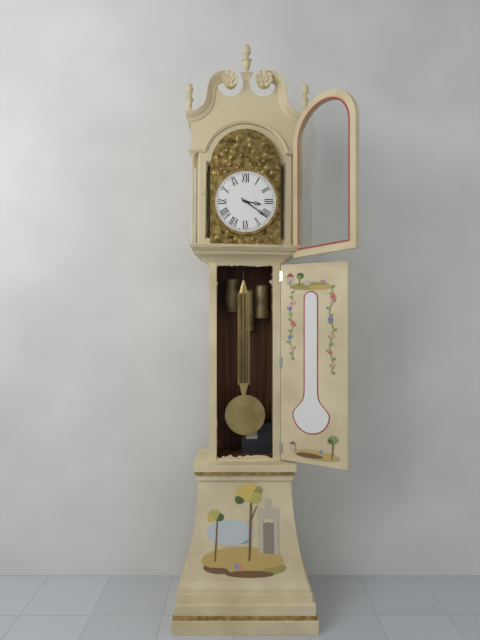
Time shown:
{"hour": 3, "minute": 21}
